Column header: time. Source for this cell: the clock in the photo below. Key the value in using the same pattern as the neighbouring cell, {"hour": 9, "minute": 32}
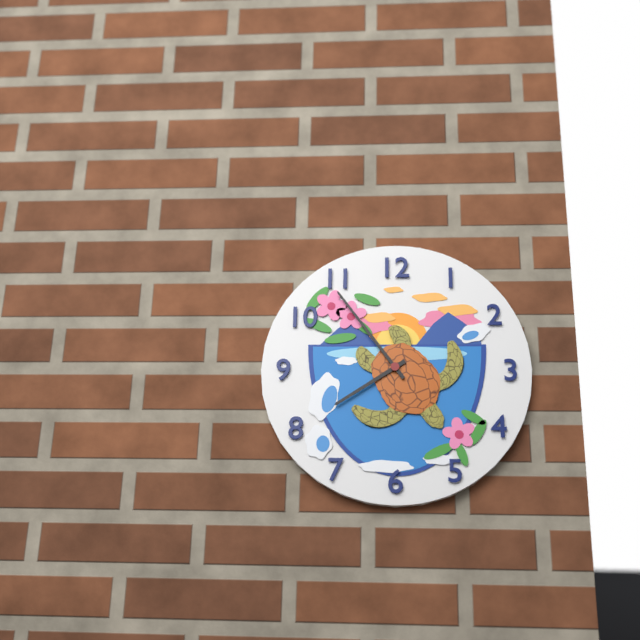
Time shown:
{"hour": 7, "minute": 54}
